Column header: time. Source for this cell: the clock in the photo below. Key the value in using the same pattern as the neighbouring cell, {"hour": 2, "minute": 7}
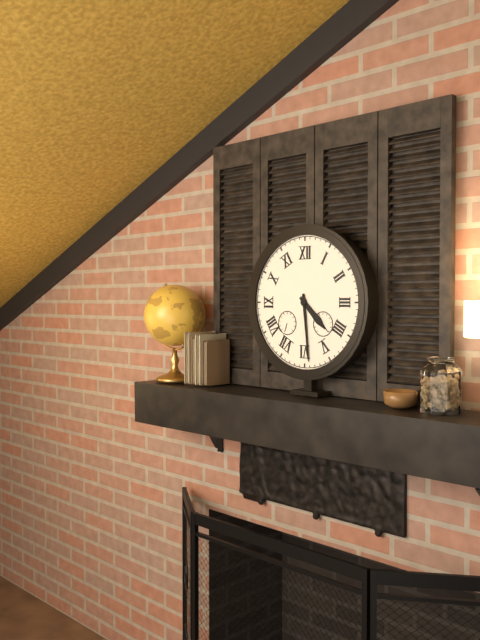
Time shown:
{"hour": 4, "minute": 29}
